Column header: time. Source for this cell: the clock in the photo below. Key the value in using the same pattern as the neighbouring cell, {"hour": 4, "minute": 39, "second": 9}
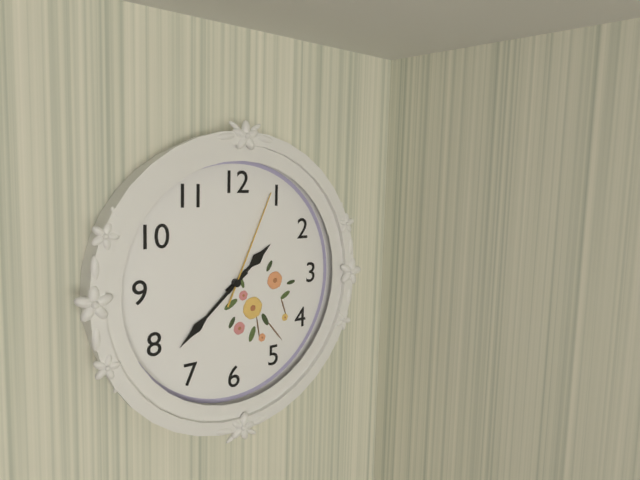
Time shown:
{"hour": 1, "minute": 38, "second": 4}
